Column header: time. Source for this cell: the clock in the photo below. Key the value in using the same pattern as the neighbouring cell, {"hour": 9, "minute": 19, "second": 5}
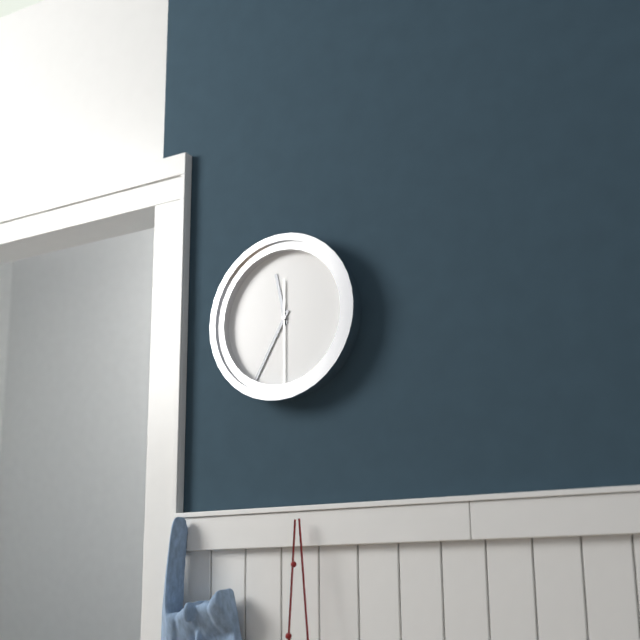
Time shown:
{"hour": 11, "minute": 35, "second": 30}
